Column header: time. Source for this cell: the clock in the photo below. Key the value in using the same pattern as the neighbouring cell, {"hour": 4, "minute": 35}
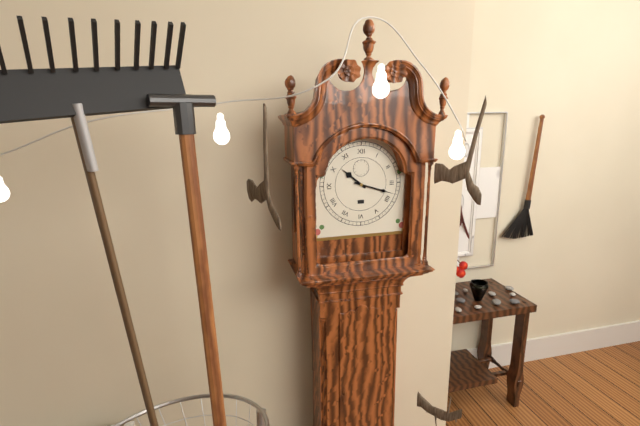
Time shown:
{"hour": 10, "minute": 18}
